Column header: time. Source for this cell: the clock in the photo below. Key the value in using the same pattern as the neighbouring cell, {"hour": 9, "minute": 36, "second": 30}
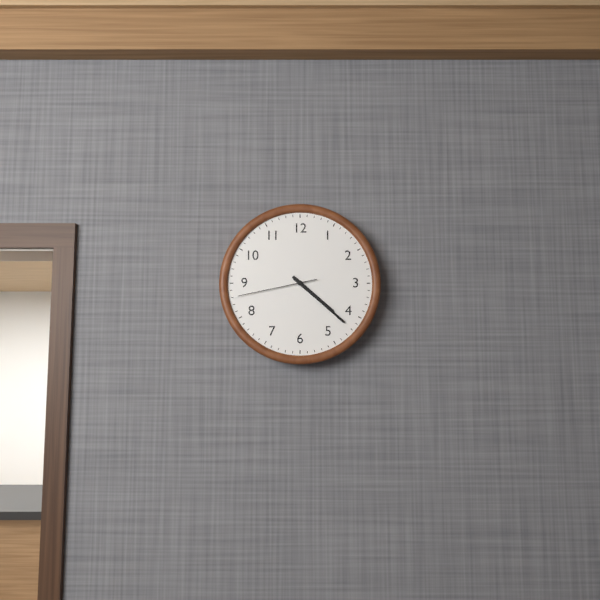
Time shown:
{"hour": 4, "minute": 22, "second": 43}
